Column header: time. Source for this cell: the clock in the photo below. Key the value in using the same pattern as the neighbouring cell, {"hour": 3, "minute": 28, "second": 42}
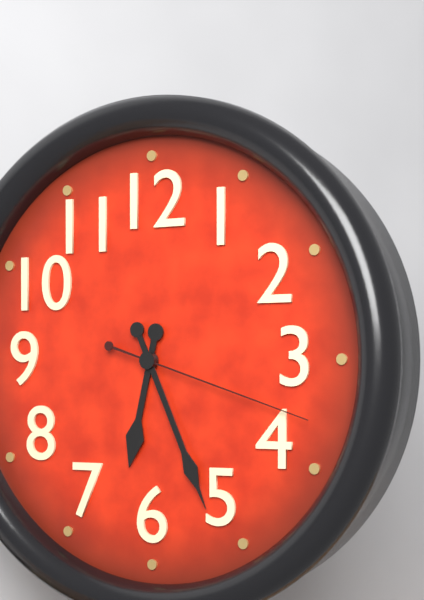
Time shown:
{"hour": 6, "minute": 26, "second": 18}
